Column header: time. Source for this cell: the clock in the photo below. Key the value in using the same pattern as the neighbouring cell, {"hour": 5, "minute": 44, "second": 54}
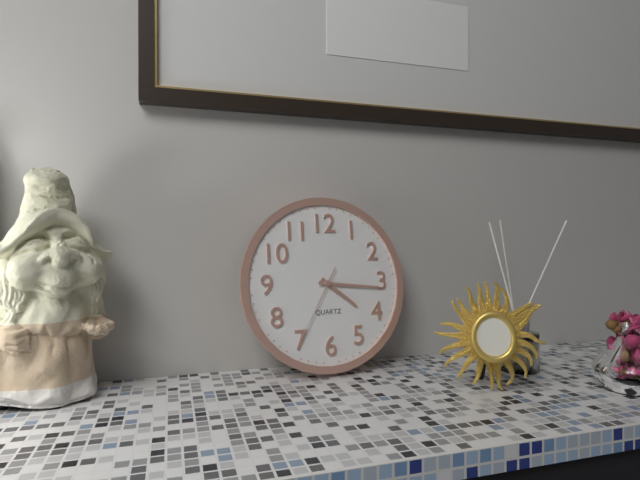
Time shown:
{"hour": 4, "minute": 16, "second": 35}
